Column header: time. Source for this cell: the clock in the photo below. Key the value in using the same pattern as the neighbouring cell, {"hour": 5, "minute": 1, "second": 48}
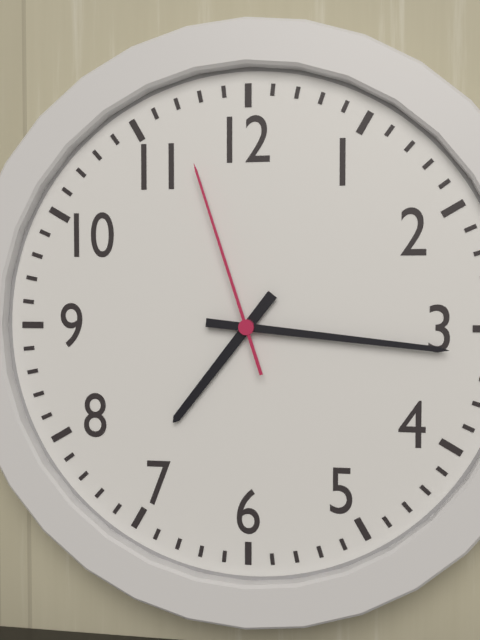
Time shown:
{"hour": 7, "minute": 16, "second": 57}
